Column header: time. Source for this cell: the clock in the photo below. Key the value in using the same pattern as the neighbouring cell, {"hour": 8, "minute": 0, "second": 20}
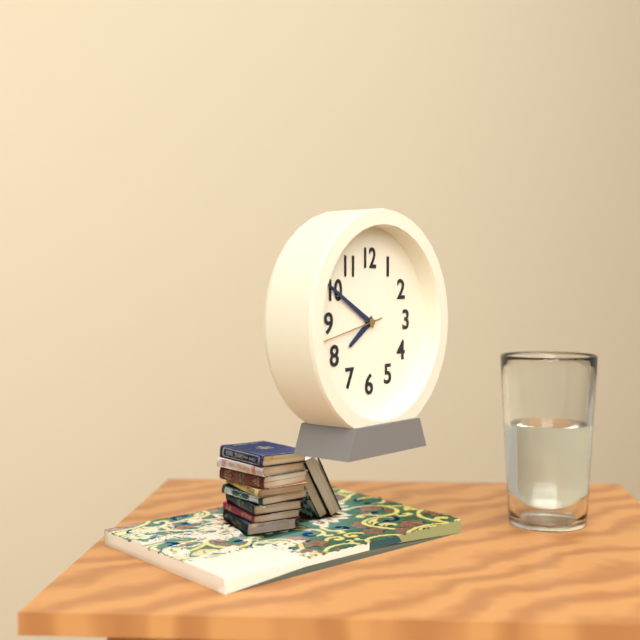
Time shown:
{"hour": 7, "minute": 50, "second": 43}
